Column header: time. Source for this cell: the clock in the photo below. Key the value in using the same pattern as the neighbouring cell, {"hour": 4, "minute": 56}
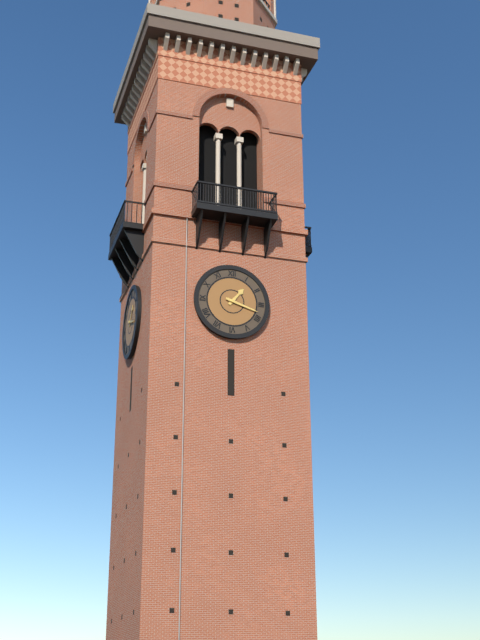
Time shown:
{"hour": 1, "minute": 18}
